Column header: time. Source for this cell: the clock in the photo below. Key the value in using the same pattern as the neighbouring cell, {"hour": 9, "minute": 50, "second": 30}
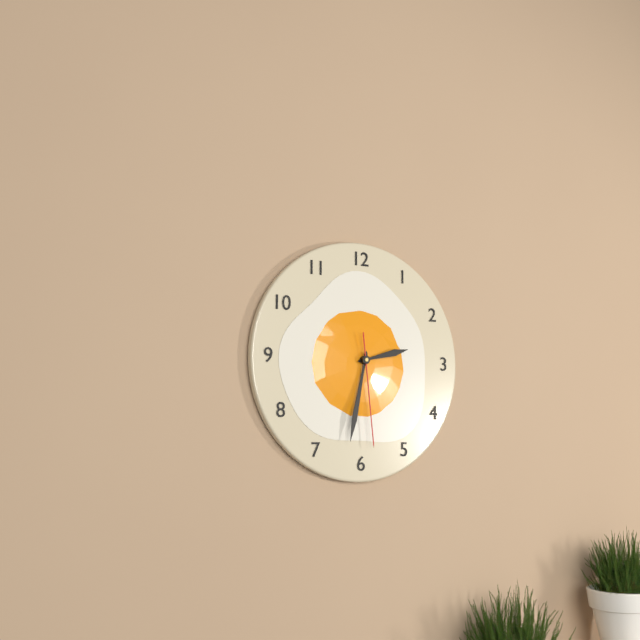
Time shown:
{"hour": 2, "minute": 32, "second": 29}
